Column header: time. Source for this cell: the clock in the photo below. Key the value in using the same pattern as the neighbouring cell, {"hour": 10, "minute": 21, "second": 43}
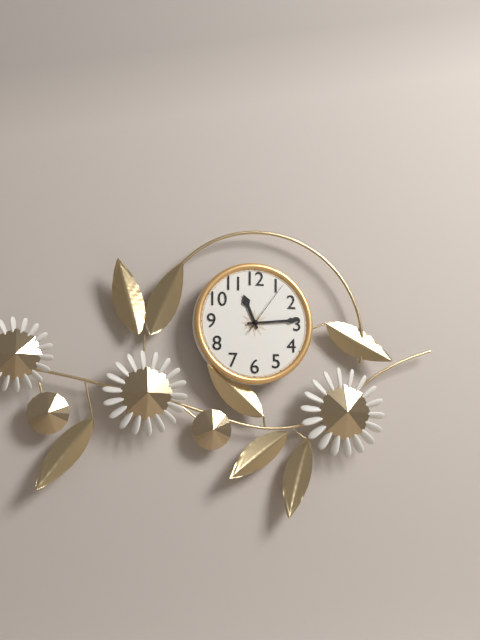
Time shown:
{"hour": 11, "minute": 14, "second": 6}
